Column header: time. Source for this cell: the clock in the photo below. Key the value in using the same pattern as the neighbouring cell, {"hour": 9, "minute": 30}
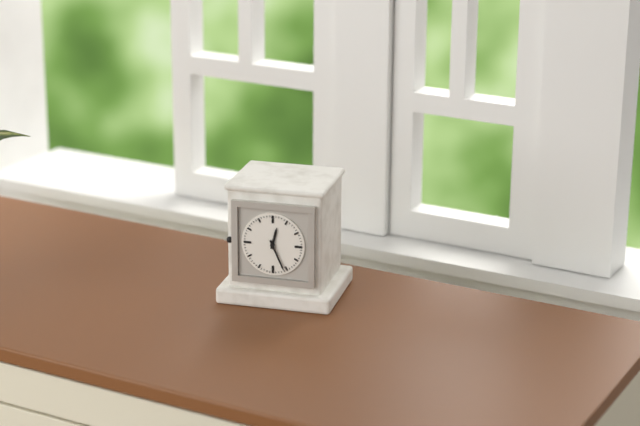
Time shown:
{"hour": 12, "minute": 26}
